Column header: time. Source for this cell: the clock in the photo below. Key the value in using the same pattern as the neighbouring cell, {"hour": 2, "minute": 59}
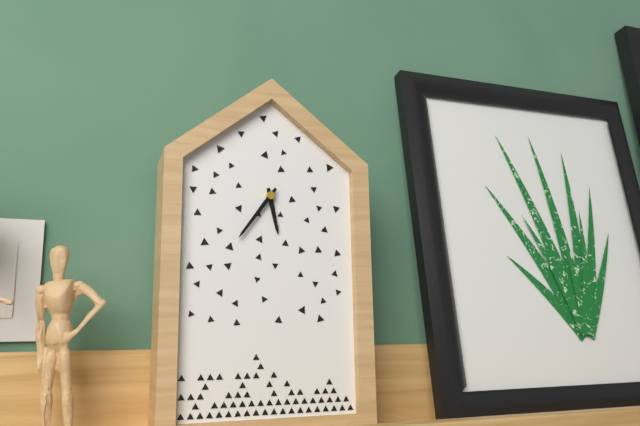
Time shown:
{"hour": 5, "minute": 36}
